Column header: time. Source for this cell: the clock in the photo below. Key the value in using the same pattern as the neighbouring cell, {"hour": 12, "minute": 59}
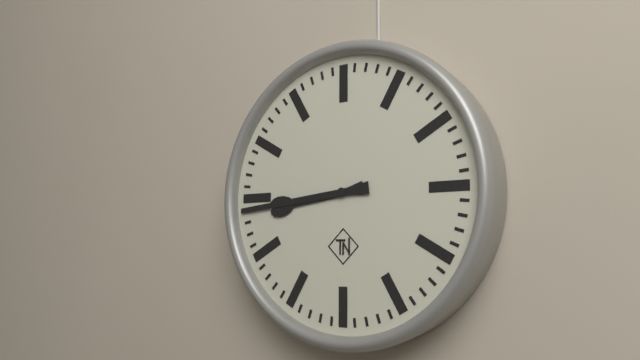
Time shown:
{"hour": 8, "minute": 44}
